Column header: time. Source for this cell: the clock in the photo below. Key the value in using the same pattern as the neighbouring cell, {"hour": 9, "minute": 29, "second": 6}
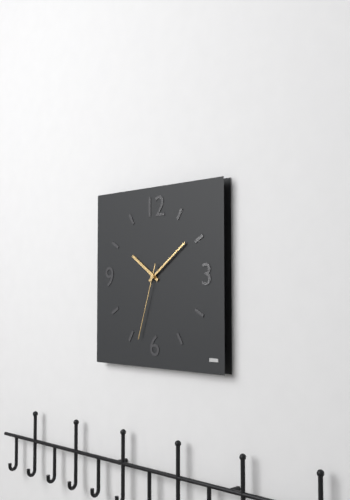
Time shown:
{"hour": 10, "minute": 9, "second": 33}
